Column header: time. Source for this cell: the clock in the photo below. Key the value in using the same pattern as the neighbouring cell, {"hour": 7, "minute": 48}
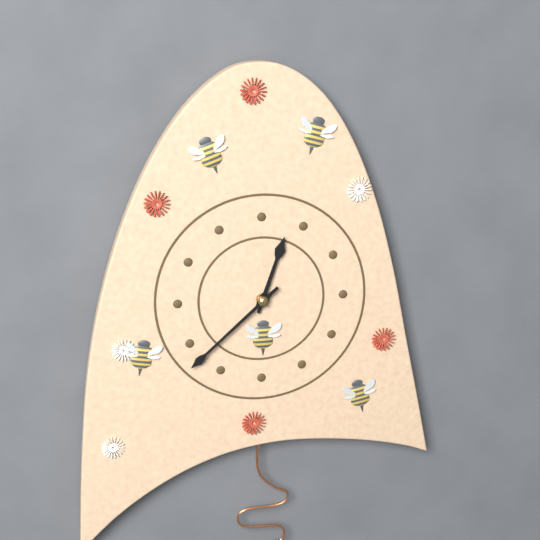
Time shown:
{"hour": 12, "minute": 38}
